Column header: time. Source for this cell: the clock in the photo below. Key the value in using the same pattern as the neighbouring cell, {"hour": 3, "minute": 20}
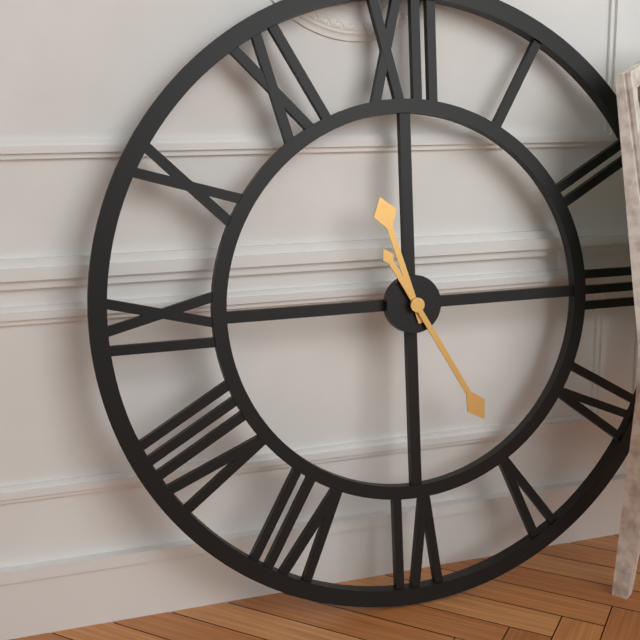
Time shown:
{"hour": 11, "minute": 25}
